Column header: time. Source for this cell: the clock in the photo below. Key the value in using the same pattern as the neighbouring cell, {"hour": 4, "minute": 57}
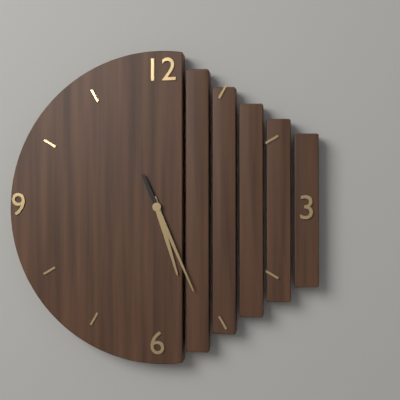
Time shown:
{"hour": 5, "minute": 26}
